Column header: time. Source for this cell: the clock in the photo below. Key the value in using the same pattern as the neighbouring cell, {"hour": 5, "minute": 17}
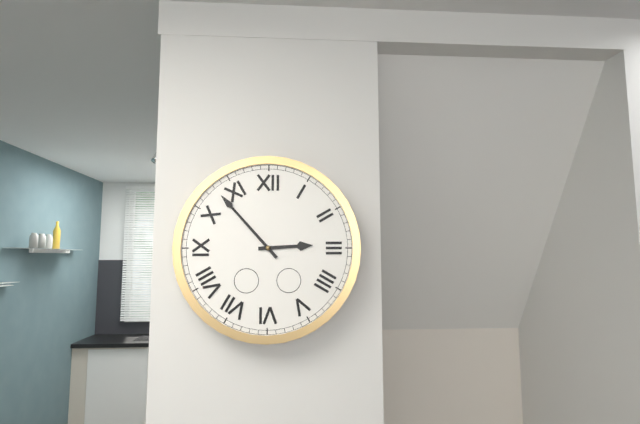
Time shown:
{"hour": 2, "minute": 53}
